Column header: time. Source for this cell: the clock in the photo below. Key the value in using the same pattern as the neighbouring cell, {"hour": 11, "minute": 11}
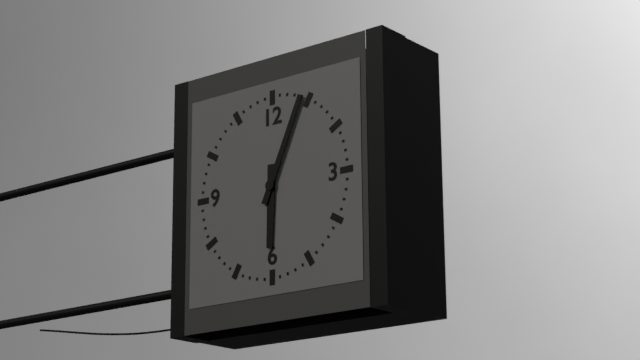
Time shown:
{"hour": 6, "minute": 4}
